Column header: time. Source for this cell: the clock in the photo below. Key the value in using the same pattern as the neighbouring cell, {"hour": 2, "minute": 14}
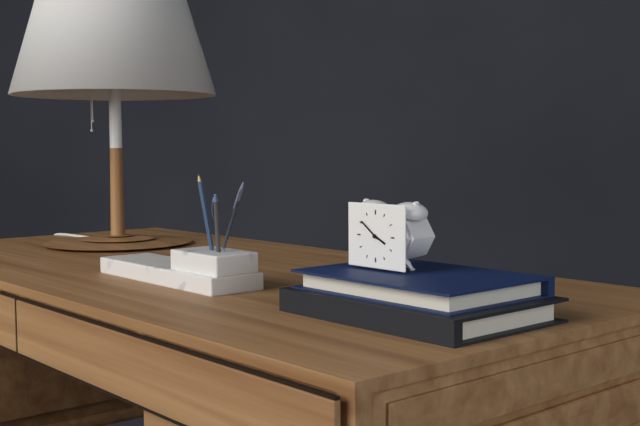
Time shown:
{"hour": 3, "minute": 51}
